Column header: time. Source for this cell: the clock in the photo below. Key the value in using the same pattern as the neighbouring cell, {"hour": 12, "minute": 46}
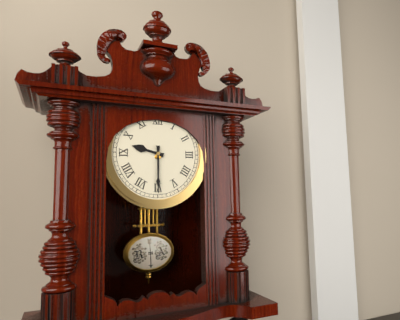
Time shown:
{"hour": 9, "minute": 30}
